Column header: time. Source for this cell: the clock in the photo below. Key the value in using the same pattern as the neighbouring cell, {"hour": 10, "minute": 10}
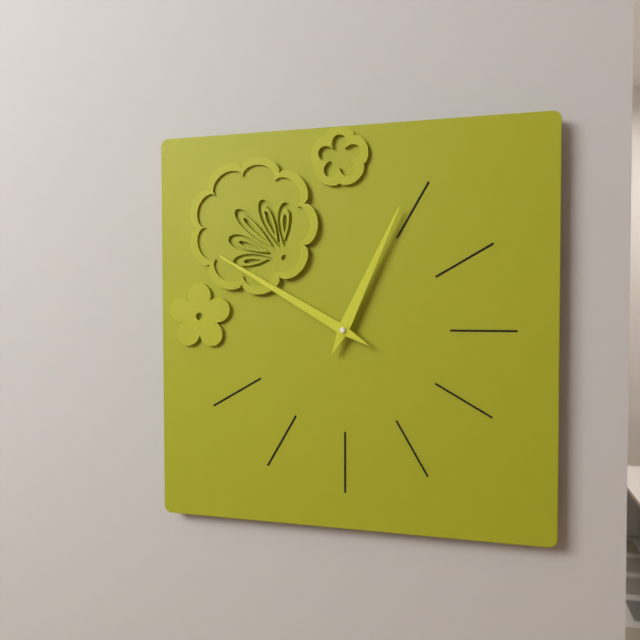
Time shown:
{"hour": 12, "minute": 50}
